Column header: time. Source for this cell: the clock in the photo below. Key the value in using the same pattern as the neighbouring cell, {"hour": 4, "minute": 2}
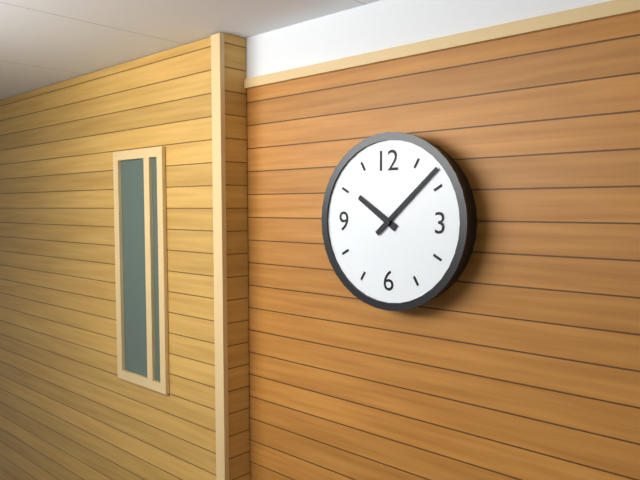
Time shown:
{"hour": 10, "minute": 8}
